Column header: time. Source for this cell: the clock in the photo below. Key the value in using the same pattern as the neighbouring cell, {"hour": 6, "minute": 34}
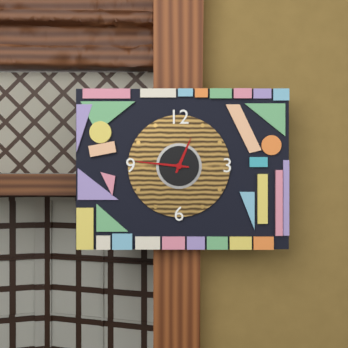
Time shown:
{"hour": 12, "minute": 46}
